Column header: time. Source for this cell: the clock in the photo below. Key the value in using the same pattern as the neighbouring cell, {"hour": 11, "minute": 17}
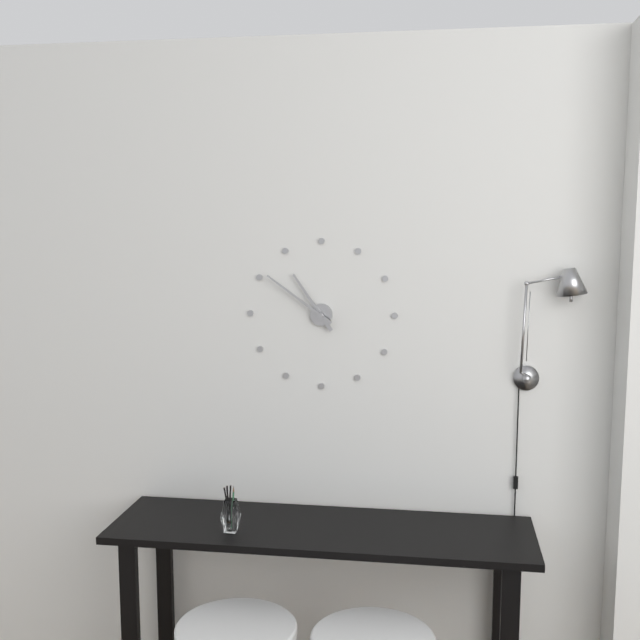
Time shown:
{"hour": 10, "minute": 51}
